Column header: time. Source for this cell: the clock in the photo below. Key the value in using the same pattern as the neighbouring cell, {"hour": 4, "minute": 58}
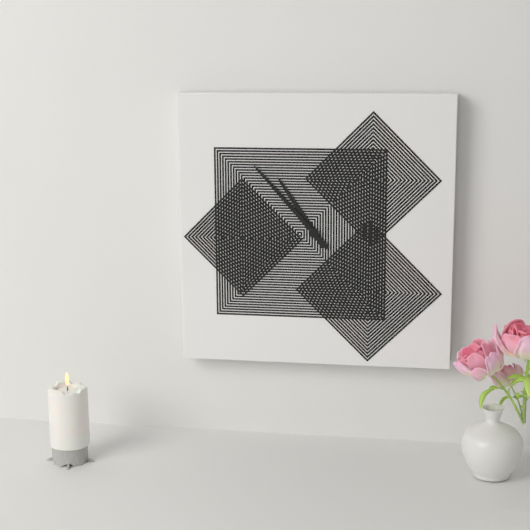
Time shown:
{"hour": 10, "minute": 53}
